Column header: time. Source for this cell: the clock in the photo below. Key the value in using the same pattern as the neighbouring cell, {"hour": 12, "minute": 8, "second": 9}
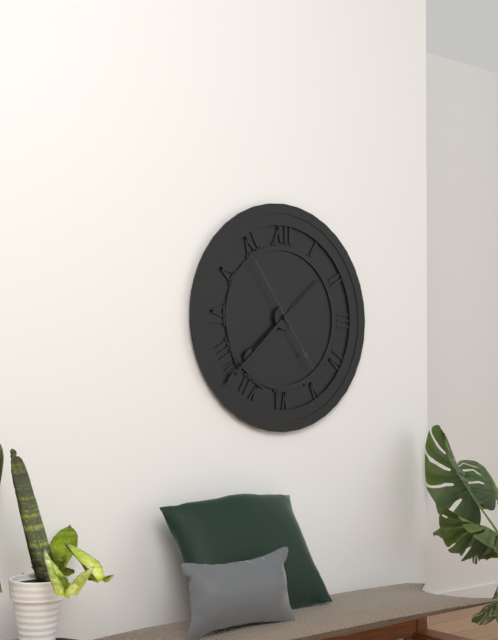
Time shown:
{"hour": 7, "minute": 38, "second": 54}
